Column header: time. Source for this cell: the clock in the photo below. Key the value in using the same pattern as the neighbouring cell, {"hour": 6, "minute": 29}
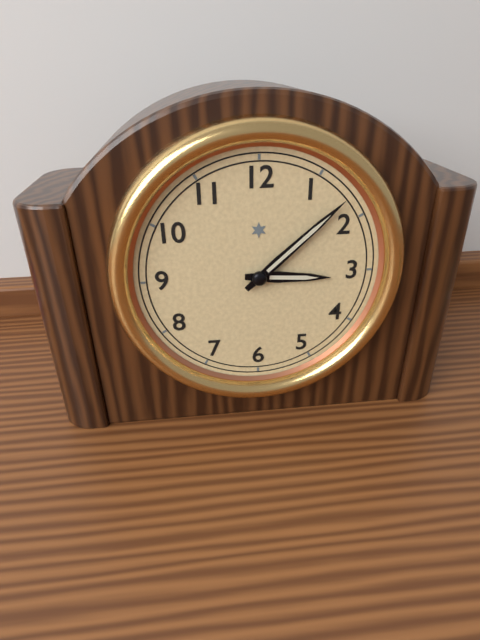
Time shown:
{"hour": 3, "minute": 8}
